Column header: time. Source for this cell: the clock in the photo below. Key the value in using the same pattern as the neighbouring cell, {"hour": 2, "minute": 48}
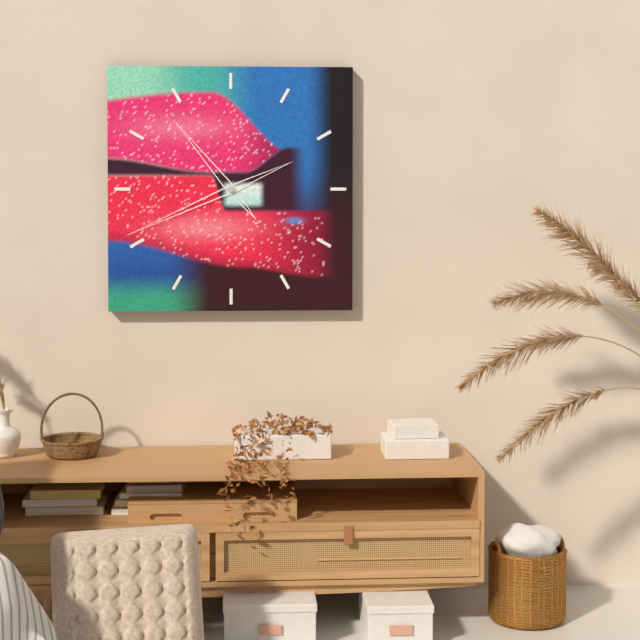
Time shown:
{"hour": 10, "minute": 41}
